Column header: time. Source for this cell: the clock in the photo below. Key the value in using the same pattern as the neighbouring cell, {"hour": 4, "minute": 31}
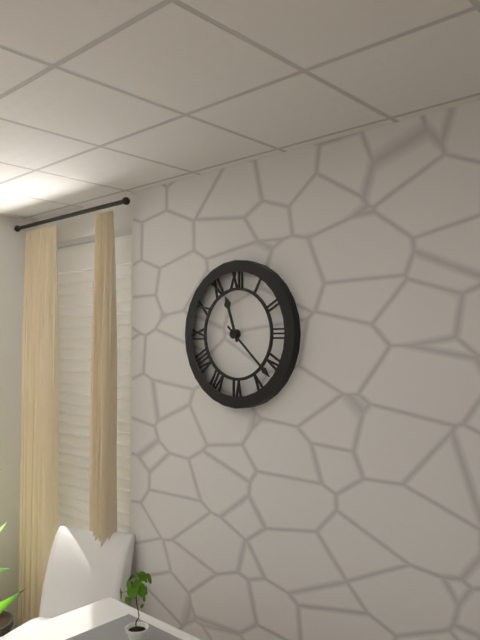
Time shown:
{"hour": 11, "minute": 22}
